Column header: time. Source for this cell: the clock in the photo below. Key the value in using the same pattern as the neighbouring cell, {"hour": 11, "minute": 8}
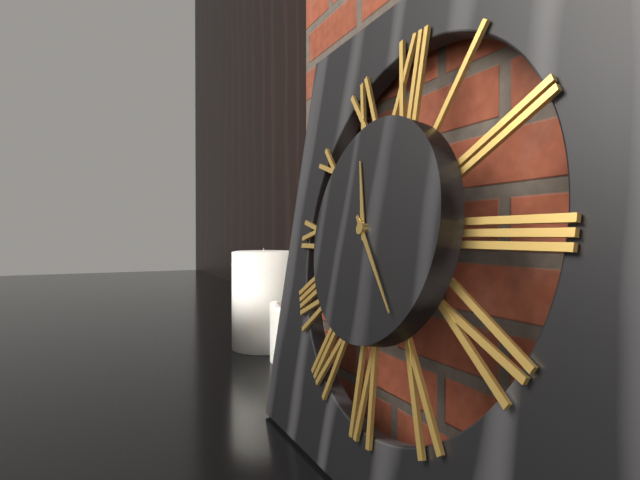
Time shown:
{"hour": 11, "minute": 23}
